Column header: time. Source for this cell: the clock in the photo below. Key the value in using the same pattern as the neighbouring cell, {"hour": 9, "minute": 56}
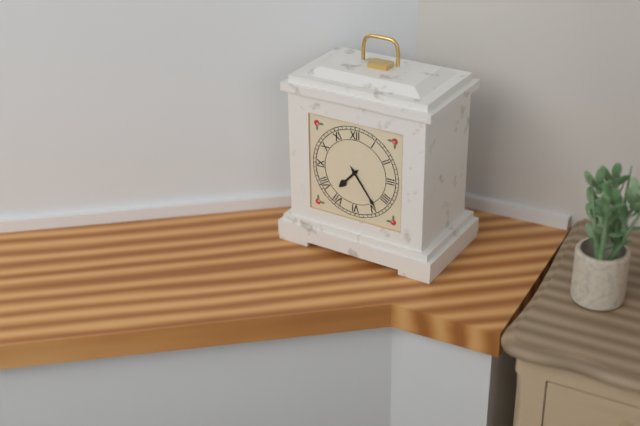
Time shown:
{"hour": 7, "minute": 24}
